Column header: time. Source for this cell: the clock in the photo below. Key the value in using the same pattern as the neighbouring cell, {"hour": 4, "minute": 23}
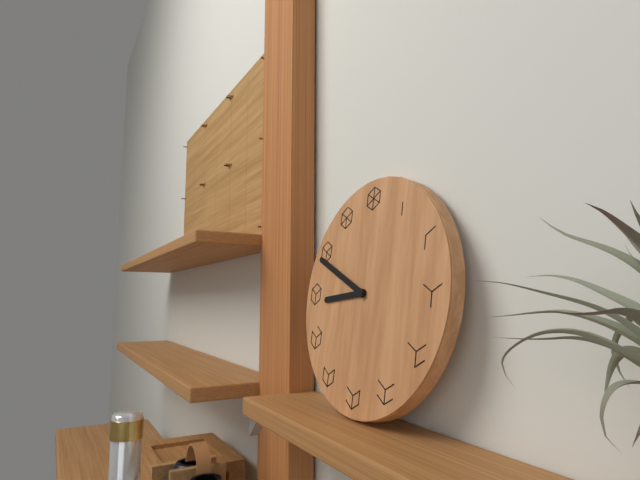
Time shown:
{"hour": 8, "minute": 49}
